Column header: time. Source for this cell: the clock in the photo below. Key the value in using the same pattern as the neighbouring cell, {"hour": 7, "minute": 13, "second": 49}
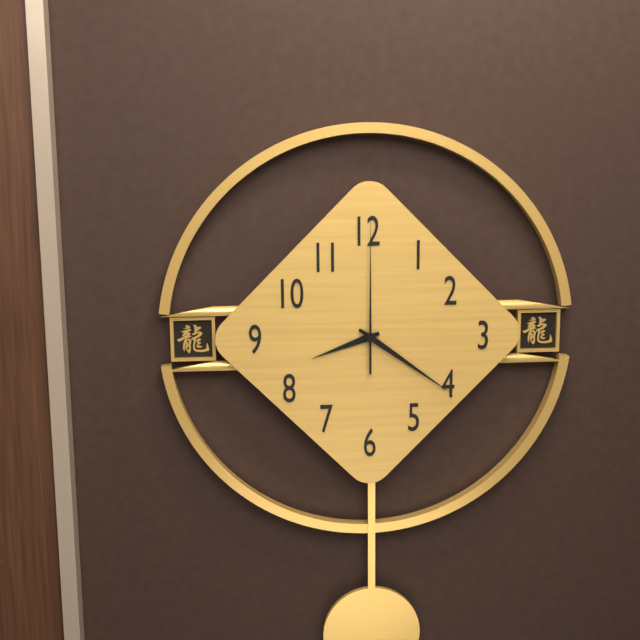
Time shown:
{"hour": 8, "minute": 21, "second": 0}
